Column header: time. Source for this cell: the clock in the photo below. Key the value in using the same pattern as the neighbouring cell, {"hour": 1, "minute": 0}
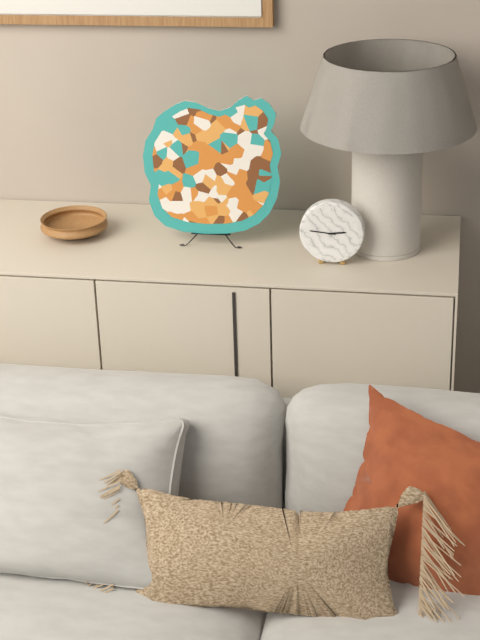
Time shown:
{"hour": 2, "minute": 46}
